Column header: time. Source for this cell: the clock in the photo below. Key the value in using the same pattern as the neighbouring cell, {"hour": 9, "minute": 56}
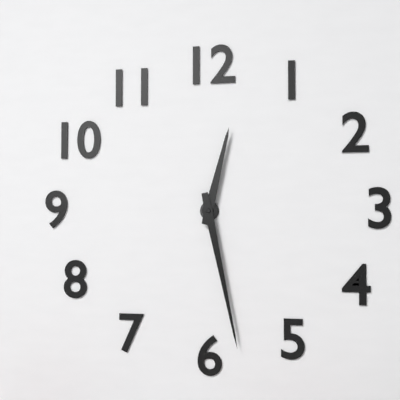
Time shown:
{"hour": 12, "minute": 28}
